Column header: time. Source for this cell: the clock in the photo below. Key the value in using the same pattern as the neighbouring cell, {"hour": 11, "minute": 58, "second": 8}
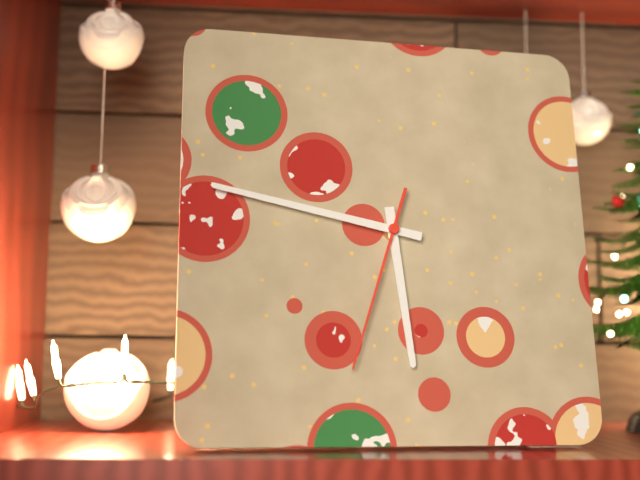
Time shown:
{"hour": 5, "minute": 47, "second": 33}
